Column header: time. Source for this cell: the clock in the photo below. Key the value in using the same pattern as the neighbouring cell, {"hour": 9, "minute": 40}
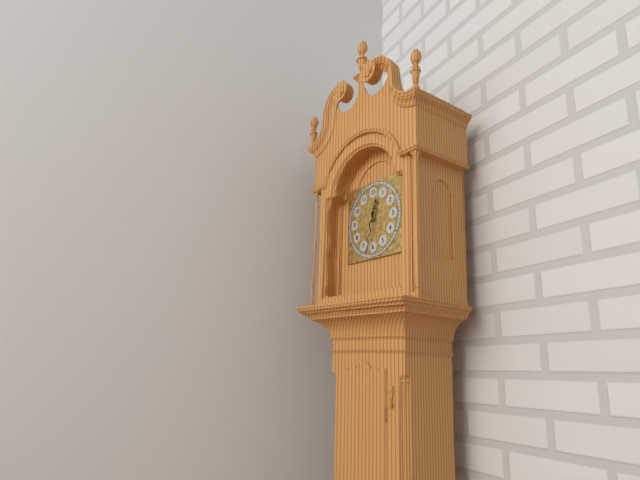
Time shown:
{"hour": 12, "minute": 32}
